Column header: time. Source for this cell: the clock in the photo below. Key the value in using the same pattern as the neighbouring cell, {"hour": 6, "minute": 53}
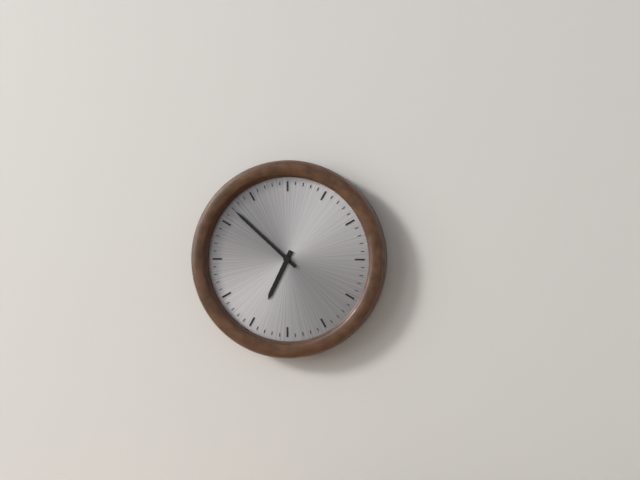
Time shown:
{"hour": 6, "minute": 52}
